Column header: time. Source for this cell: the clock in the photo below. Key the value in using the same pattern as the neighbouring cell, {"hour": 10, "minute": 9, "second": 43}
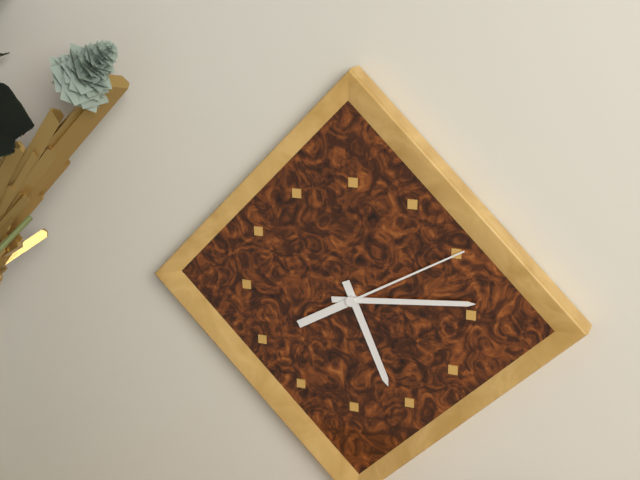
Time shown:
{"hour": 5, "minute": 14, "second": 10}
